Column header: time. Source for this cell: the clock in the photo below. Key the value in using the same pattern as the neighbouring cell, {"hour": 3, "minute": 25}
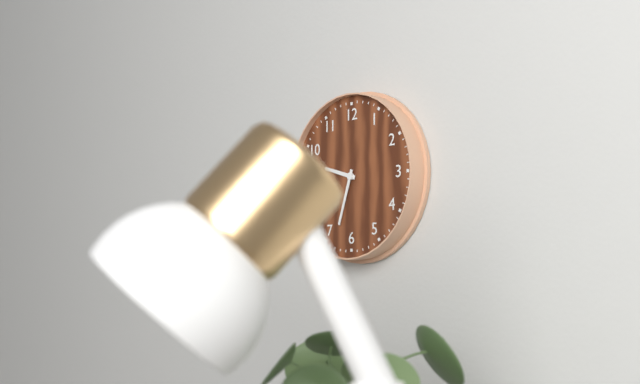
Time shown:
{"hour": 9, "minute": 33}
